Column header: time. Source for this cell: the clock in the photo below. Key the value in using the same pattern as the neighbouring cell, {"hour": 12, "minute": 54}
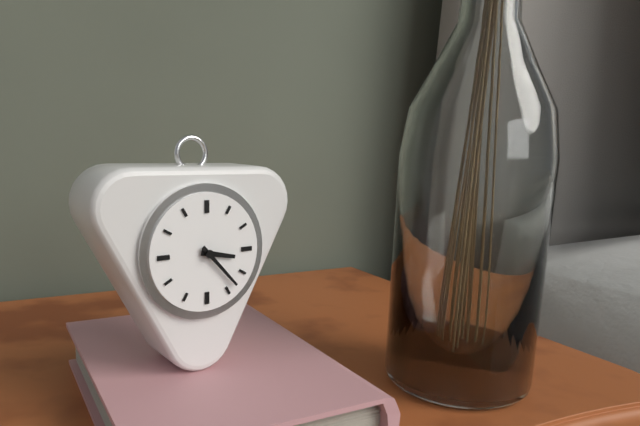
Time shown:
{"hour": 3, "minute": 23}
